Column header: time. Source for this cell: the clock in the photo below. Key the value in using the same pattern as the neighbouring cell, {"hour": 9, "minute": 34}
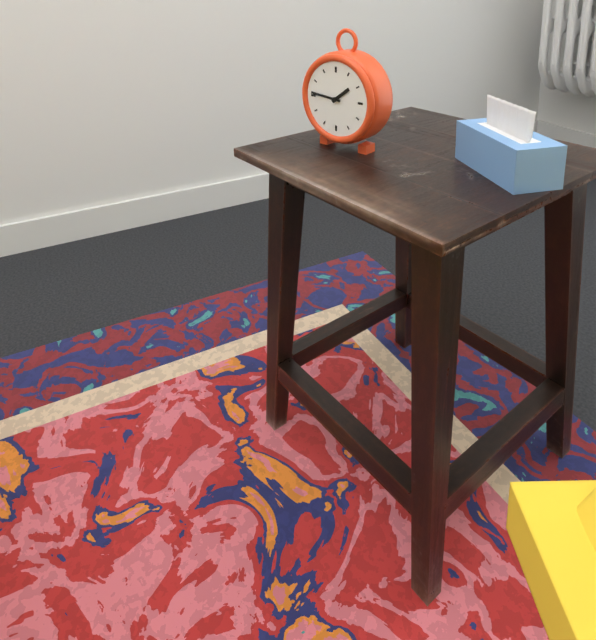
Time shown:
{"hour": 1, "minute": 46}
